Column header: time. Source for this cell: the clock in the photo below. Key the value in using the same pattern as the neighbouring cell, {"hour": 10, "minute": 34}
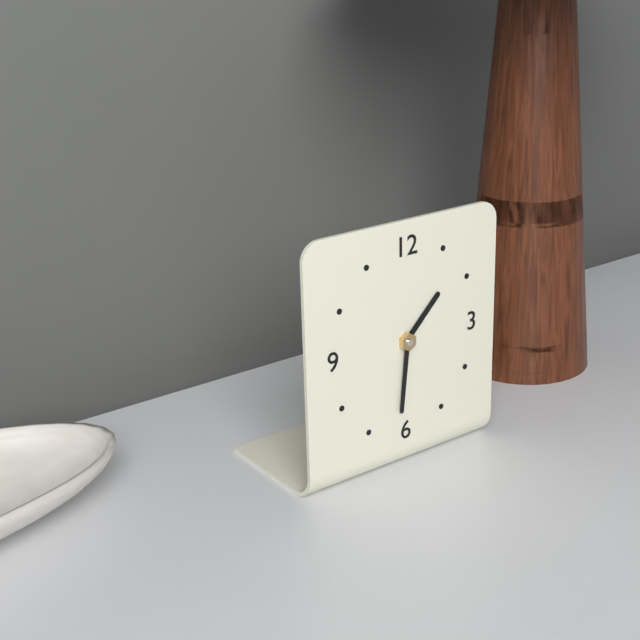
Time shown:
{"hour": 1, "minute": 31}
